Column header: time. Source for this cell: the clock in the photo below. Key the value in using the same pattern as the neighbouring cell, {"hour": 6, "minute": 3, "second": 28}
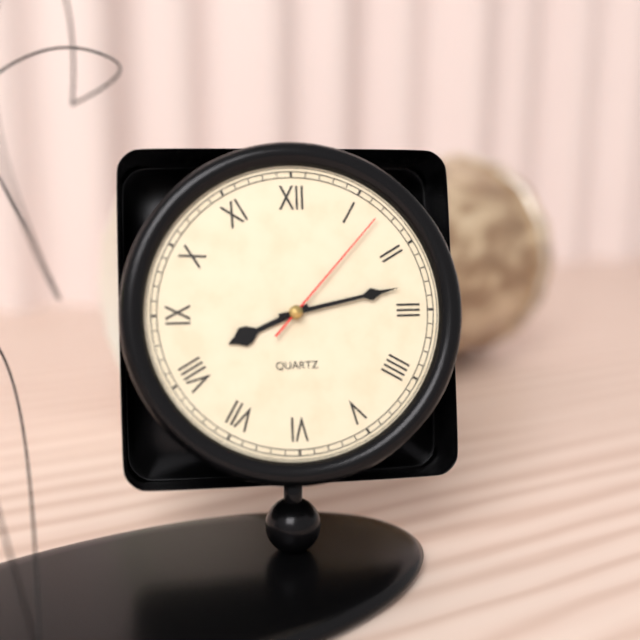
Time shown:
{"hour": 8, "minute": 13, "second": 7}
